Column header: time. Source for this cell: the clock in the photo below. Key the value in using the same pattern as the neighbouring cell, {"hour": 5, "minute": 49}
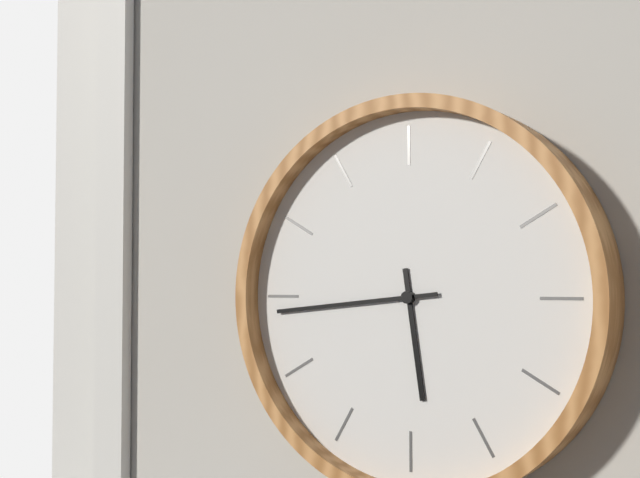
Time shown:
{"hour": 5, "minute": 44}
